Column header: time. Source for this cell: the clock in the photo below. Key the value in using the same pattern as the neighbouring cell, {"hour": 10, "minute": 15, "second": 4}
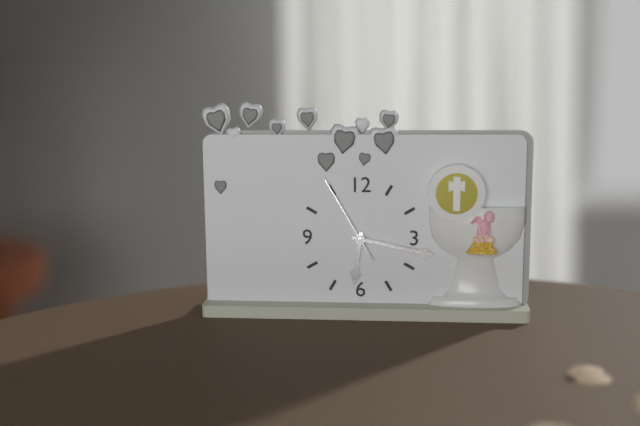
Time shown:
{"hour": 6, "minute": 17, "second": 55}
